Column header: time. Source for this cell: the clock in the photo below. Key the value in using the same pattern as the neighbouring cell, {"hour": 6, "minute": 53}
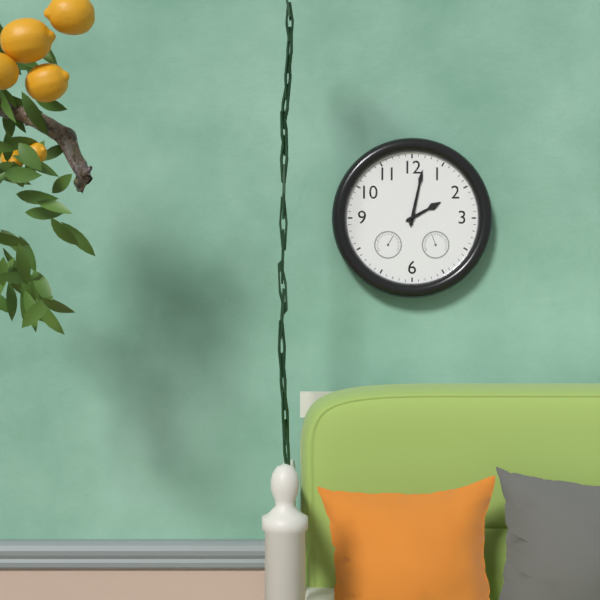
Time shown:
{"hour": 2, "minute": 2}
